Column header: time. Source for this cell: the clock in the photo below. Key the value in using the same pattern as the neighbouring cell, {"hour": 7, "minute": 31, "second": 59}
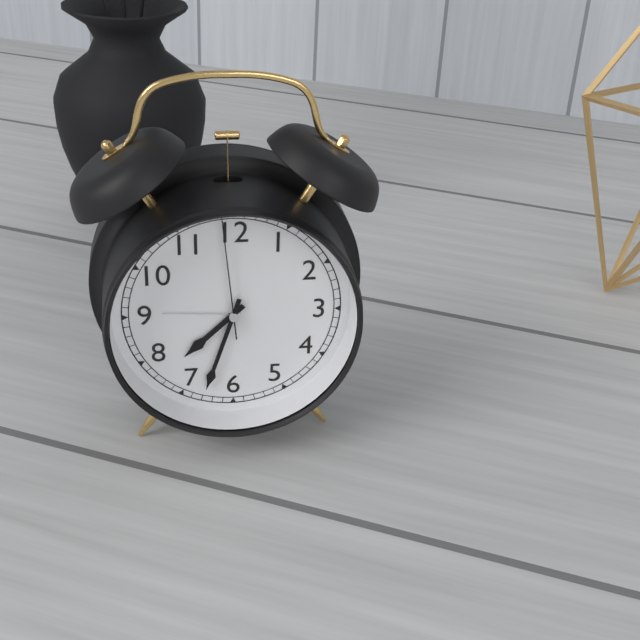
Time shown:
{"hour": 7, "minute": 33, "second": 59}
